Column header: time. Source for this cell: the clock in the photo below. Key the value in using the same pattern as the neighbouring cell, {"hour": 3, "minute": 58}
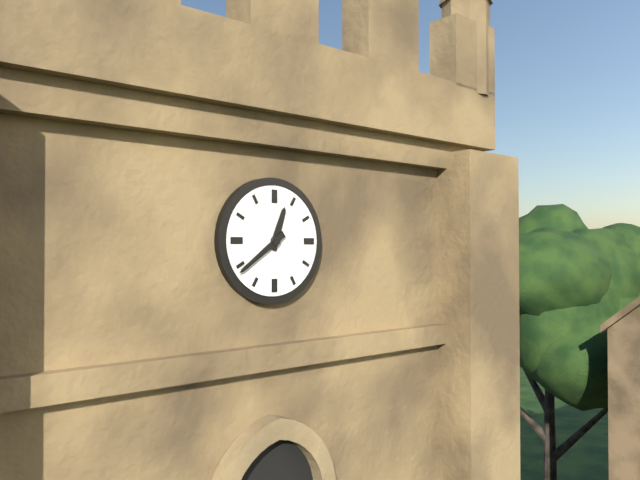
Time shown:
{"hour": 12, "minute": 39}
